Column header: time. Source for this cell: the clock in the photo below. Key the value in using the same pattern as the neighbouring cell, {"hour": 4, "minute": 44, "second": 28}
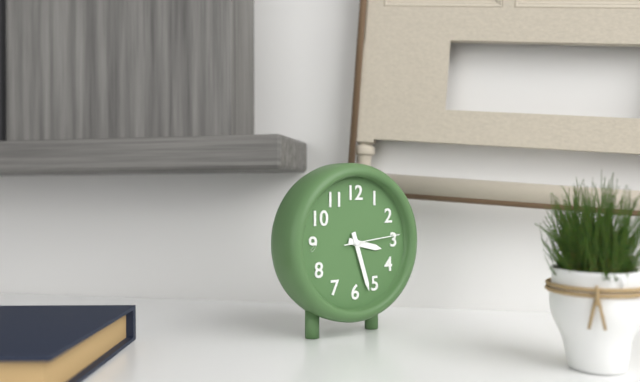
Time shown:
{"hour": 3, "minute": 27, "second": 14}
